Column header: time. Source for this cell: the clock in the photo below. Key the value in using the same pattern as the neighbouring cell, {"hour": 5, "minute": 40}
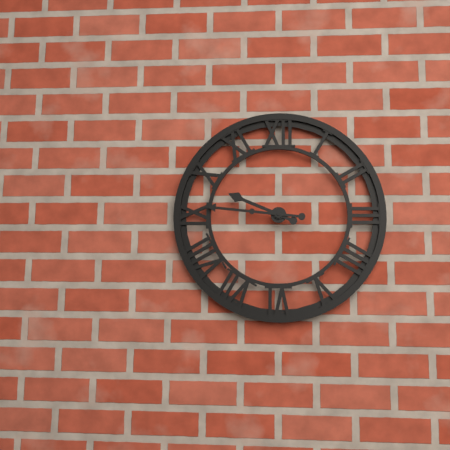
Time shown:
{"hour": 9, "minute": 46}
